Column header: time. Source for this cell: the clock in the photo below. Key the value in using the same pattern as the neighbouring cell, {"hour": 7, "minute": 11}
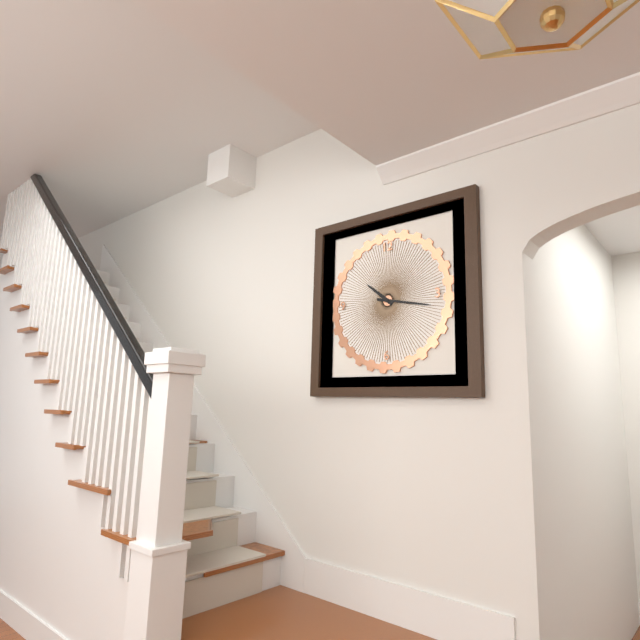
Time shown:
{"hour": 10, "minute": 17}
